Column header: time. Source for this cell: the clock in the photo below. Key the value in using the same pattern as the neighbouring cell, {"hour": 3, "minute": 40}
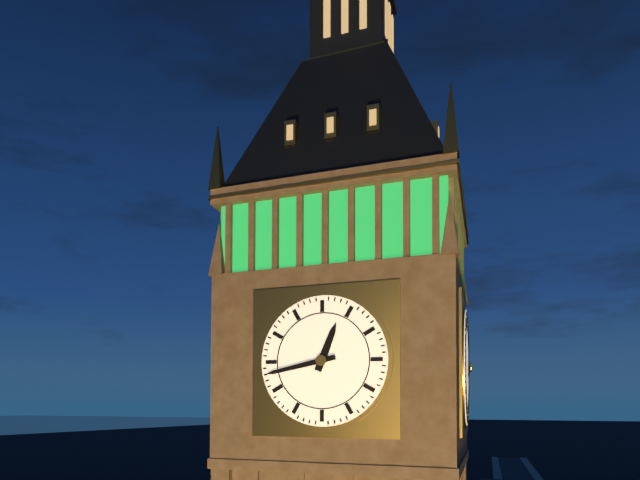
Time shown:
{"hour": 12, "minute": 43}
